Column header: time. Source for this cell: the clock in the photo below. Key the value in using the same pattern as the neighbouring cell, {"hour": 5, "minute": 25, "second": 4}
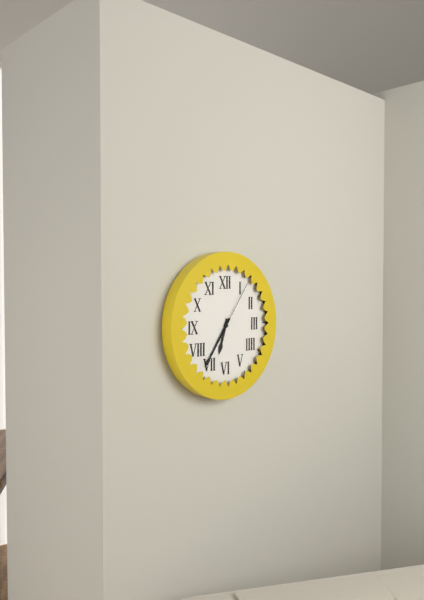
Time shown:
{"hour": 6, "minute": 36, "second": 6}
